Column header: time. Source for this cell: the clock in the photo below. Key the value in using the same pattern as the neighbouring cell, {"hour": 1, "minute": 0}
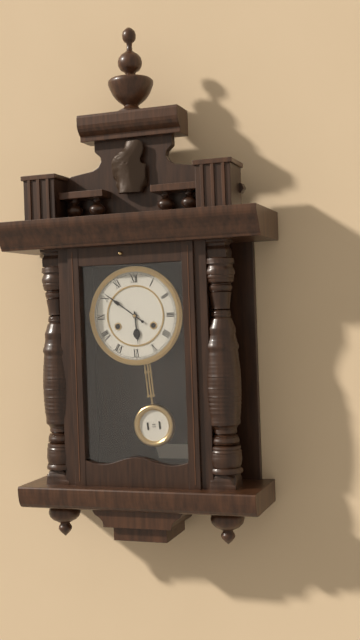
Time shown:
{"hour": 5, "minute": 51}
